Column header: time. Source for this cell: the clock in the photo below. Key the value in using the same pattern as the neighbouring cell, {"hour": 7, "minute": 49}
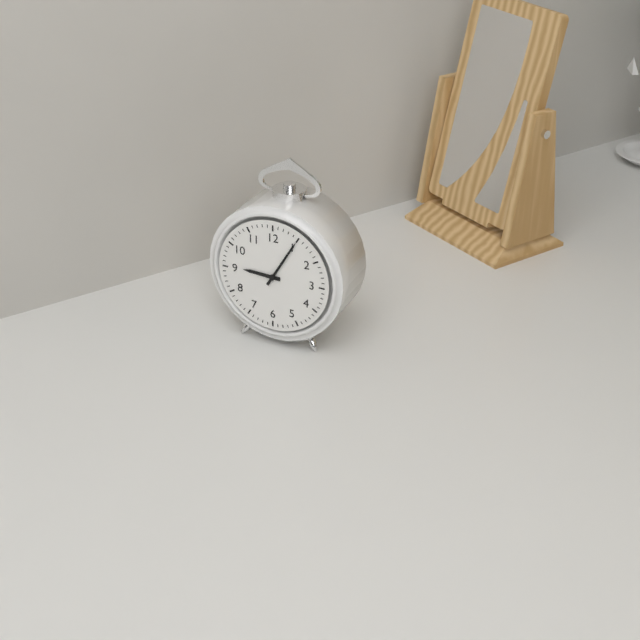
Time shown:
{"hour": 9, "minute": 5}
